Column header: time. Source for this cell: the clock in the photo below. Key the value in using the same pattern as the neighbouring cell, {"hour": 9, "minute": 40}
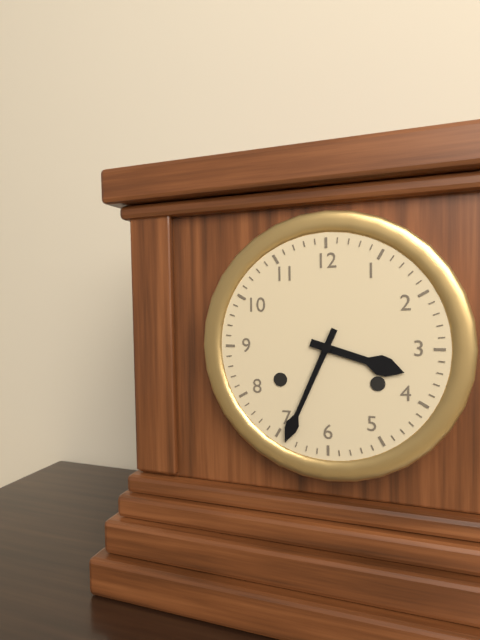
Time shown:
{"hour": 3, "minute": 34}
